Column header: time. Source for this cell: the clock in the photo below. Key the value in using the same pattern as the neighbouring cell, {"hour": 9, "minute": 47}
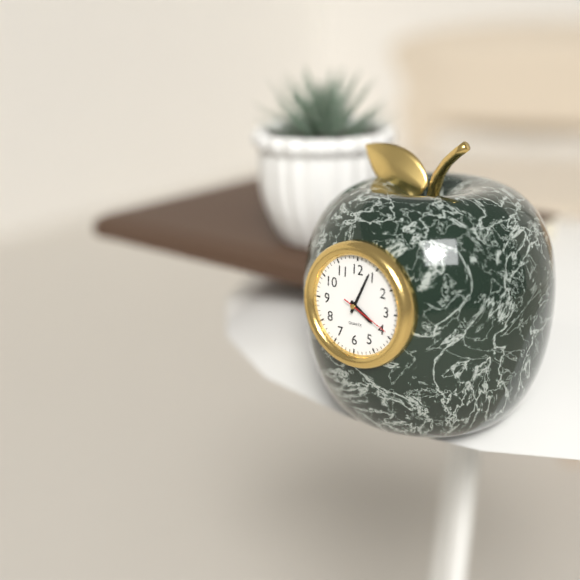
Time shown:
{"hour": 4, "minute": 4}
